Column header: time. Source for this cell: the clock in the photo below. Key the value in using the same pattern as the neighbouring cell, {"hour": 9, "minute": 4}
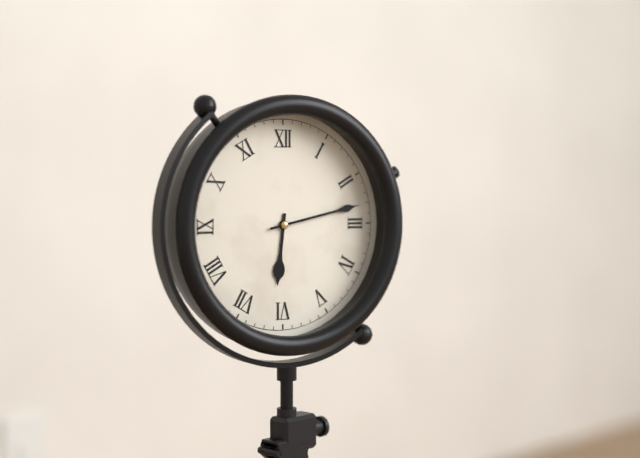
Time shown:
{"hour": 6, "minute": 13}
